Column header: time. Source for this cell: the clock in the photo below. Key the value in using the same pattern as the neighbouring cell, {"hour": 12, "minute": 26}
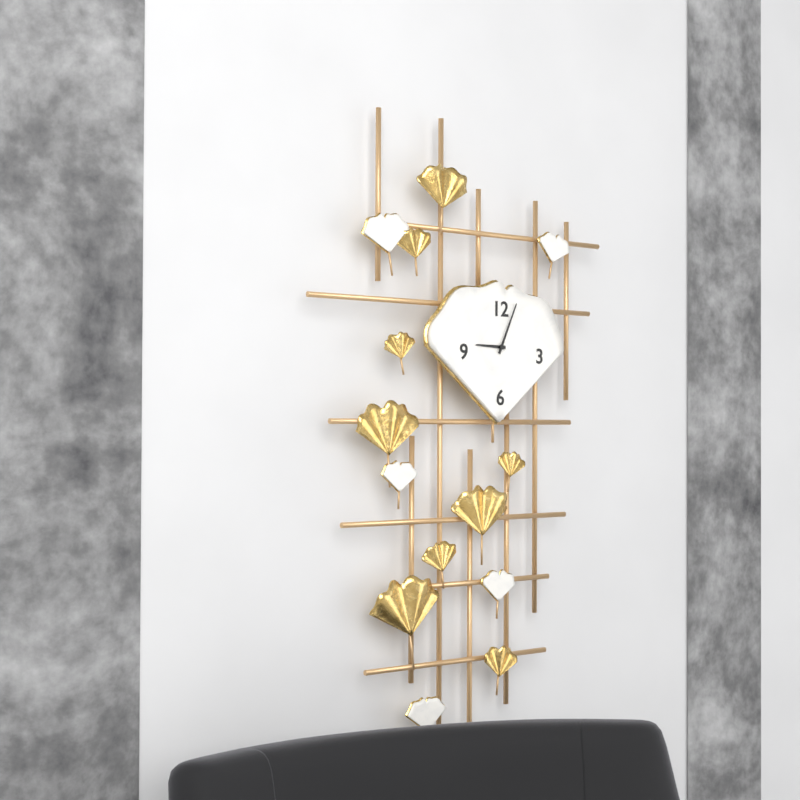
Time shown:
{"hour": 9, "minute": 4}
